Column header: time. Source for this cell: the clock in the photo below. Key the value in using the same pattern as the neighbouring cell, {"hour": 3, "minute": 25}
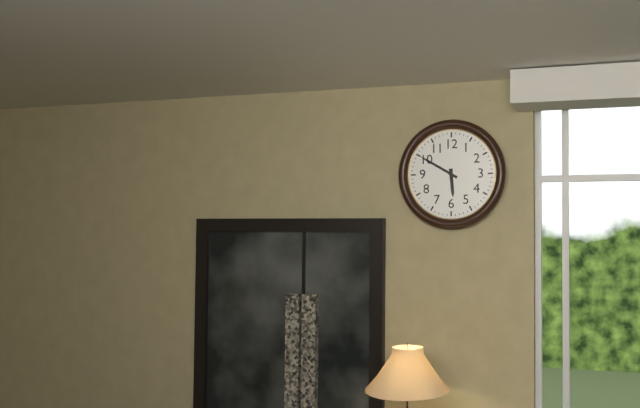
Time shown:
{"hour": 5, "minute": 50}
